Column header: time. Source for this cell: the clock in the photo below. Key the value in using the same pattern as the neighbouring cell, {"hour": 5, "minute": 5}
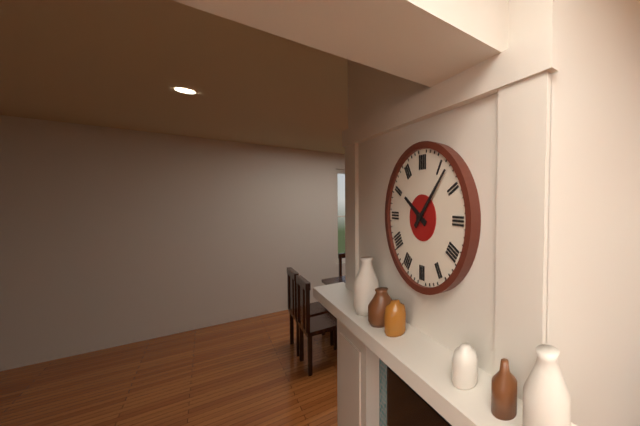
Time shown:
{"hour": 10, "minute": 7}
